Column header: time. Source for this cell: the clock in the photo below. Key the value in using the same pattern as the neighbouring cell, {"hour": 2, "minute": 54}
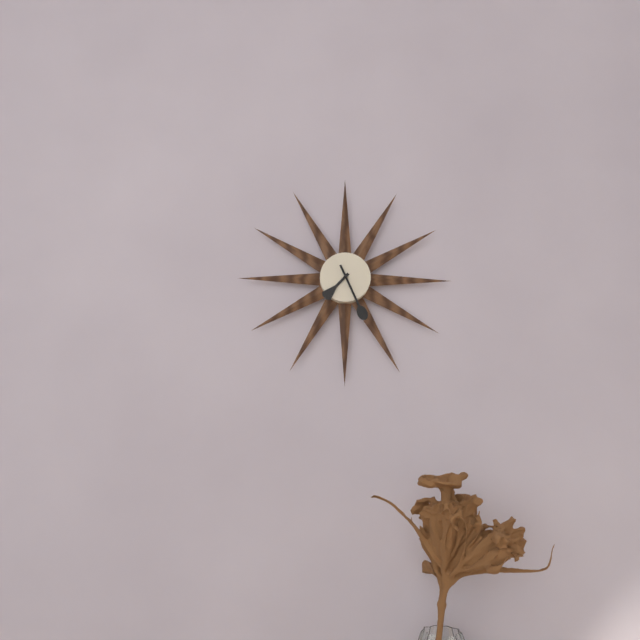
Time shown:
{"hour": 7, "minute": 26}
